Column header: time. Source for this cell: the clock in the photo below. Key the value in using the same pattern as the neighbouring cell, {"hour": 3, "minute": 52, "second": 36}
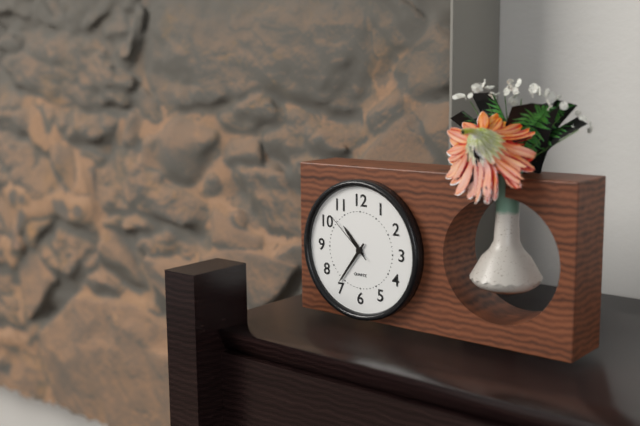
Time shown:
{"hour": 10, "minute": 36, "second": 52}
